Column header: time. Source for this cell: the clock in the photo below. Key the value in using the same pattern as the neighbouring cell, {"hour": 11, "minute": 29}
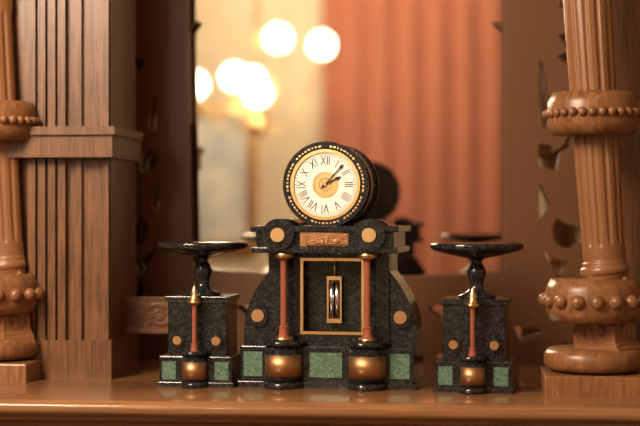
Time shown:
{"hour": 2, "minute": 7}
